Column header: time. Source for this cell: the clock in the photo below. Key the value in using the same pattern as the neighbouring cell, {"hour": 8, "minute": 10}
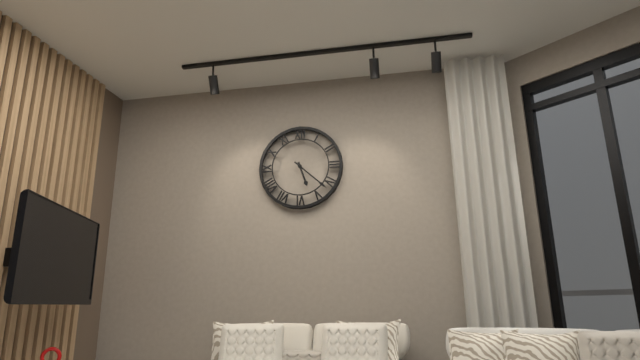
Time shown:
{"hour": 5, "minute": 22}
